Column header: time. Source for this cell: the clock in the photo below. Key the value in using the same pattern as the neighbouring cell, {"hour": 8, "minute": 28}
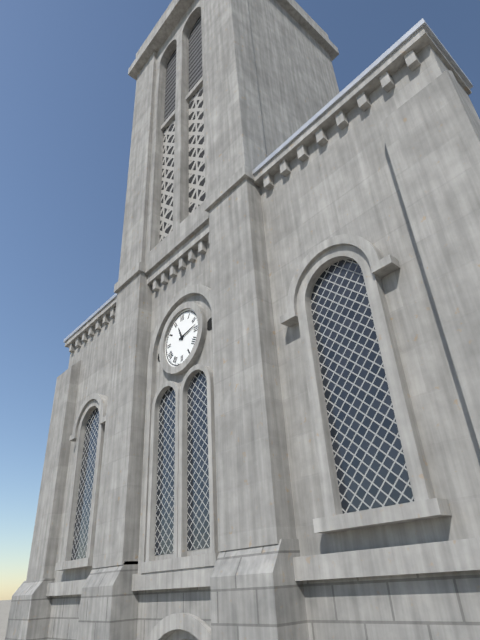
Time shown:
{"hour": 11, "minute": 13}
